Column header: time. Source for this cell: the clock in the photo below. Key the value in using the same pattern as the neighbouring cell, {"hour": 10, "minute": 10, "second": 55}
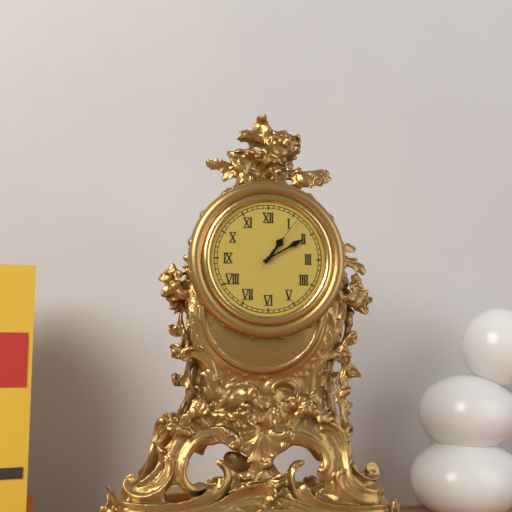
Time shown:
{"hour": 1, "minute": 10, "second": 6}
